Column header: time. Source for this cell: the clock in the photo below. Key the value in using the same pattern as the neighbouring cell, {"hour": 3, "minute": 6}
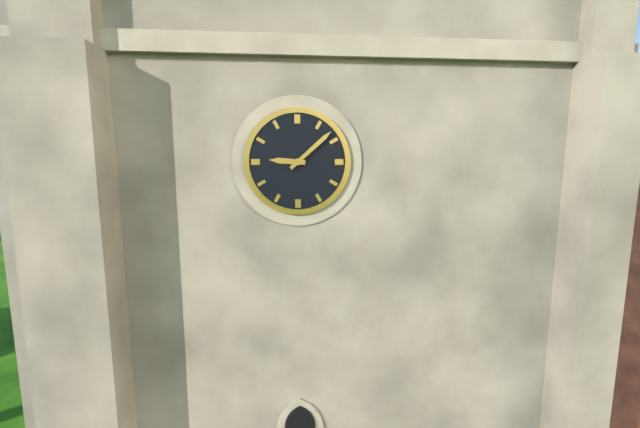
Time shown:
{"hour": 9, "minute": 8}
